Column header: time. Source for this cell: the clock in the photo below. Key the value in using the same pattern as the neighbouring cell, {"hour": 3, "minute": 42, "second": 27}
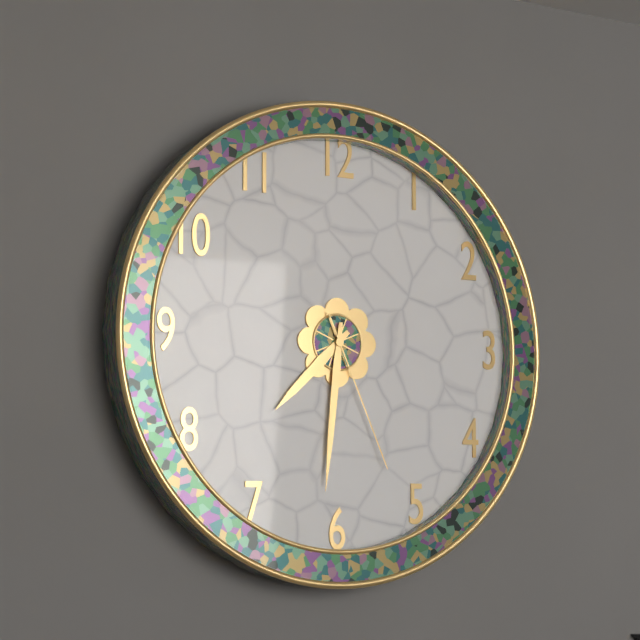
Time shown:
{"hour": 7, "minute": 31, "second": 26}
